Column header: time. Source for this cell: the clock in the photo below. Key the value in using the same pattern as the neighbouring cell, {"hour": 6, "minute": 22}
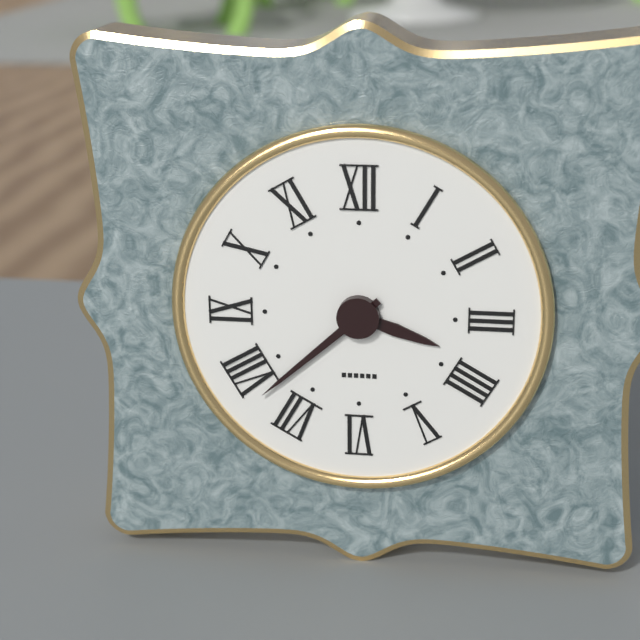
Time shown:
{"hour": 3, "minute": 38}
